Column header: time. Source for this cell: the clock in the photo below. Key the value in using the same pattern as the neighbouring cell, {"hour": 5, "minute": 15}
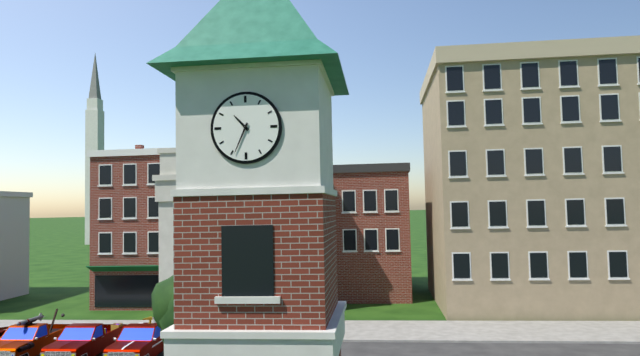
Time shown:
{"hour": 10, "minute": 34}
